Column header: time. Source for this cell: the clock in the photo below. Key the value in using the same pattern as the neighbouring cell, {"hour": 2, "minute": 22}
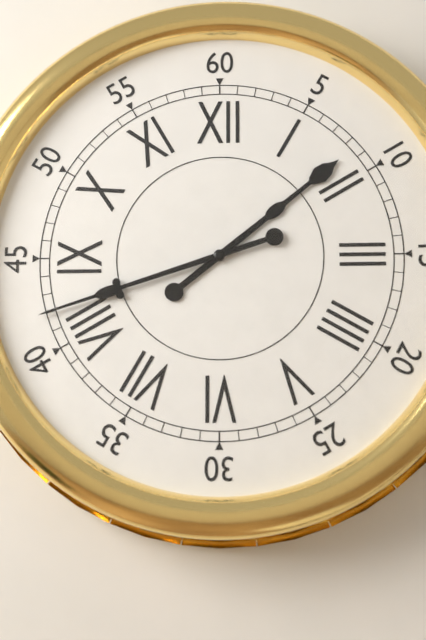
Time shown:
{"hour": 1, "minute": 42}
